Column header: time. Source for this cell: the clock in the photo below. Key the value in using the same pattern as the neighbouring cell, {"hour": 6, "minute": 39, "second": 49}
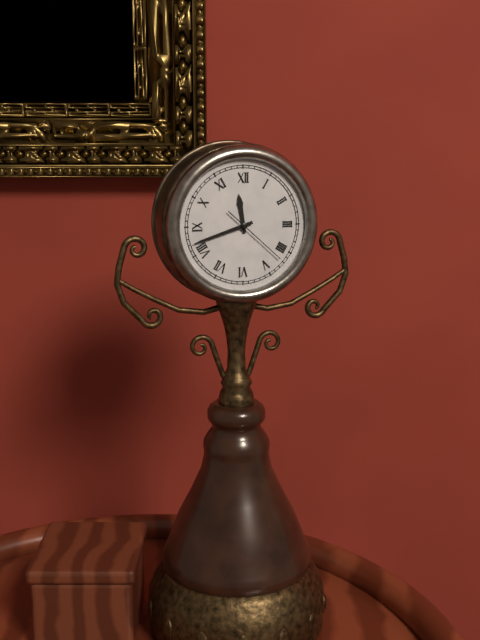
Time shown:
{"hour": 11, "minute": 42, "second": 22}
